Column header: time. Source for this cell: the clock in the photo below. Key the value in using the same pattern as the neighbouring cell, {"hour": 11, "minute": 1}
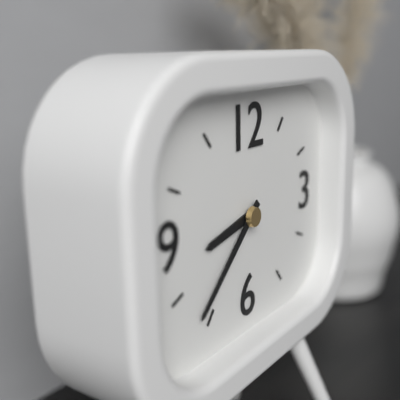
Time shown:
{"hour": 8, "minute": 38}
